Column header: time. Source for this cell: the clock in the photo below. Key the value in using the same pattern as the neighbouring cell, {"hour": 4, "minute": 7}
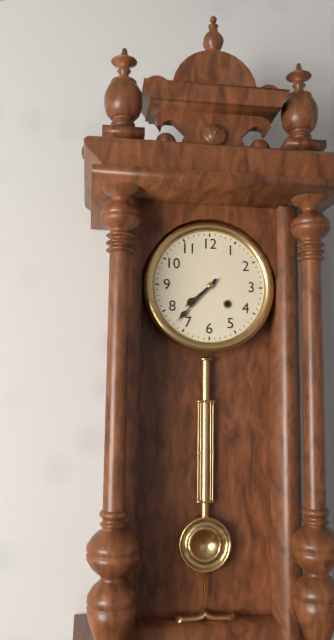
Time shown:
{"hour": 7, "minute": 37}
